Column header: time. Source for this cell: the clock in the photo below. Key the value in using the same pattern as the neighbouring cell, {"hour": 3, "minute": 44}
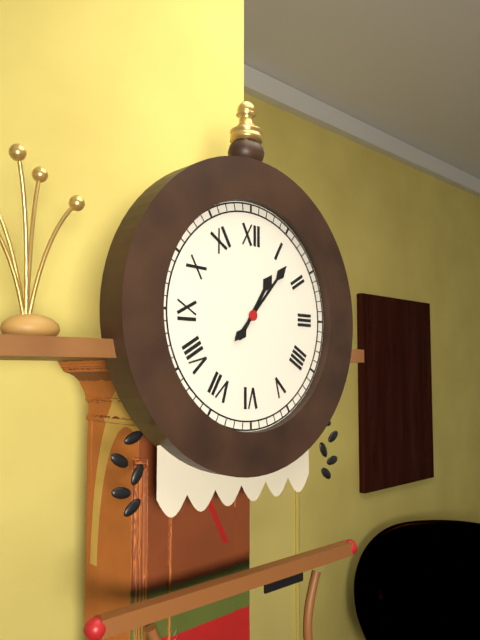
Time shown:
{"hour": 1, "minute": 7}
